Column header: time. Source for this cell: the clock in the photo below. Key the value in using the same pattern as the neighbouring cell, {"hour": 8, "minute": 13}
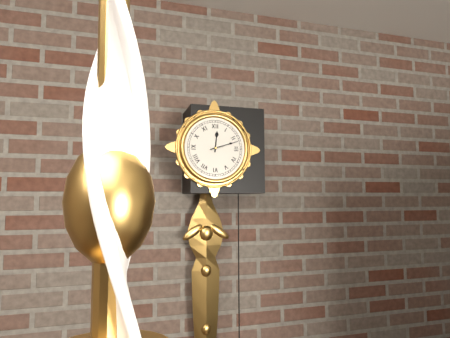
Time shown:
{"hour": 12, "minute": 12}
